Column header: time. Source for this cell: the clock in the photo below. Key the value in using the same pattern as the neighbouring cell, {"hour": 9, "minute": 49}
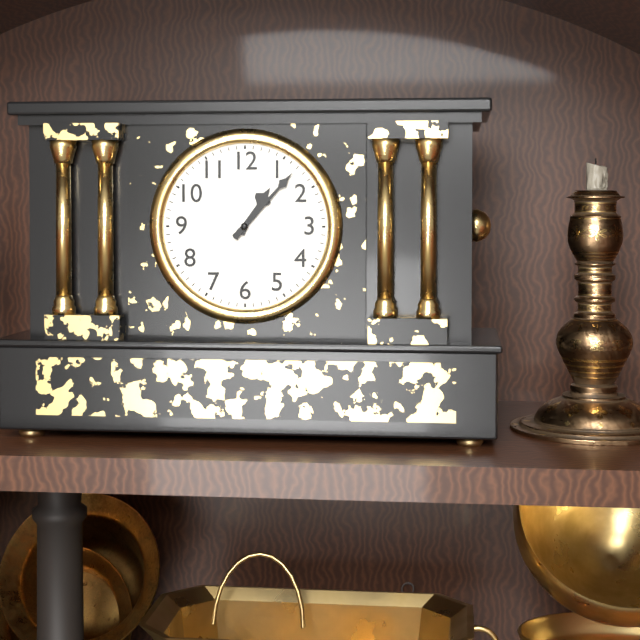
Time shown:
{"hour": 1, "minute": 7}
